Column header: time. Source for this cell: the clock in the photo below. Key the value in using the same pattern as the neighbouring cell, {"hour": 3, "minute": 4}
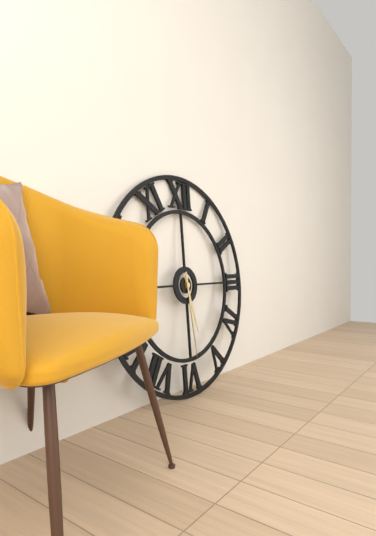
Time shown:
{"hour": 5, "minute": 29}
